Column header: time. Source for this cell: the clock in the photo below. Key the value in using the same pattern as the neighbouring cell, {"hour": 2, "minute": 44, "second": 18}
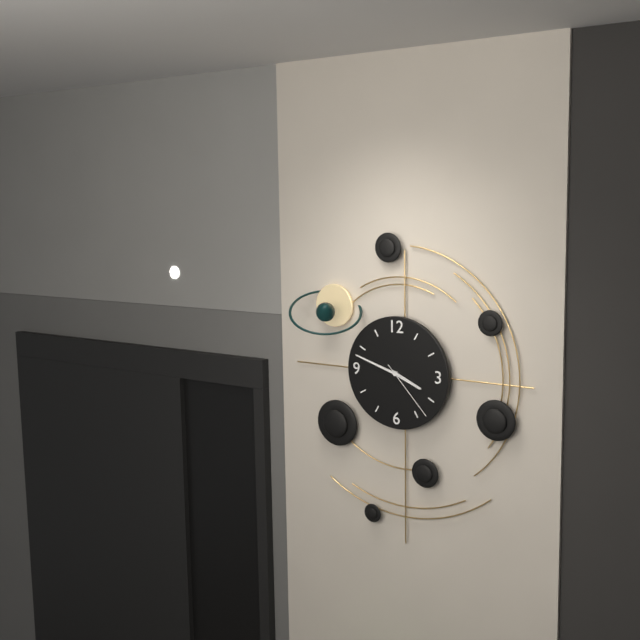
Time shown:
{"hour": 3, "minute": 48, "second": 23}
